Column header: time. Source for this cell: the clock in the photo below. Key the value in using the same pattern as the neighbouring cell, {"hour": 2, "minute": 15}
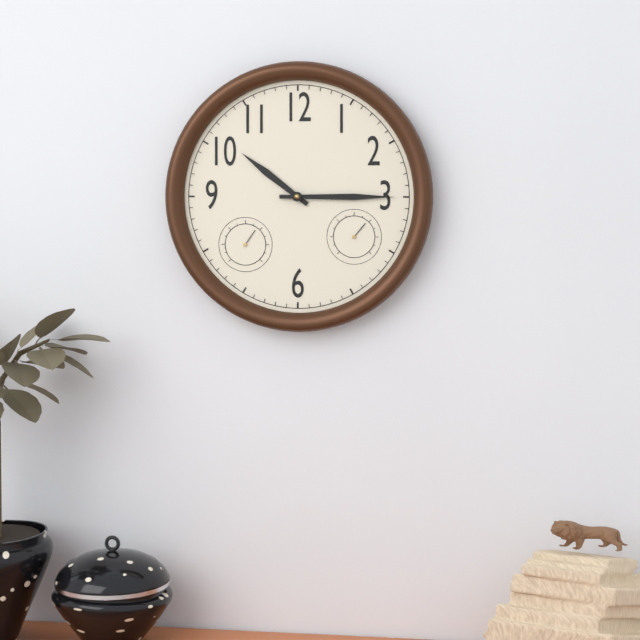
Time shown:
{"hour": 10, "minute": 15}
